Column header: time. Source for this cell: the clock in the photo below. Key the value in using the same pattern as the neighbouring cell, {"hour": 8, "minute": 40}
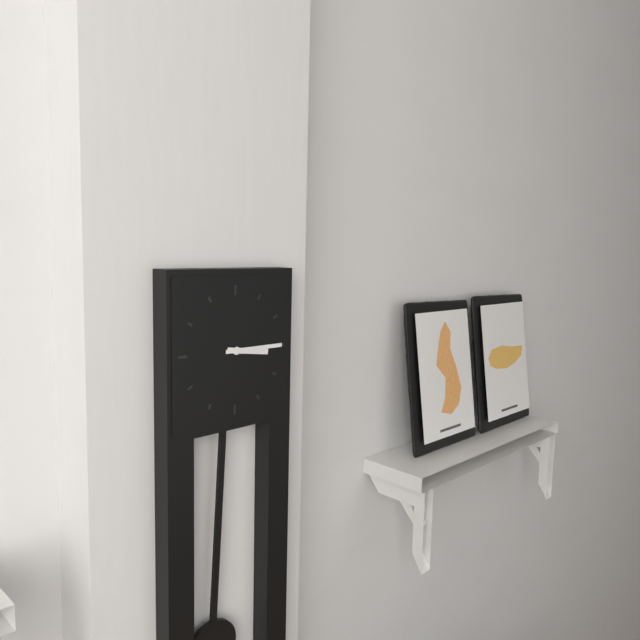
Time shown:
{"hour": 3, "minute": 15}
